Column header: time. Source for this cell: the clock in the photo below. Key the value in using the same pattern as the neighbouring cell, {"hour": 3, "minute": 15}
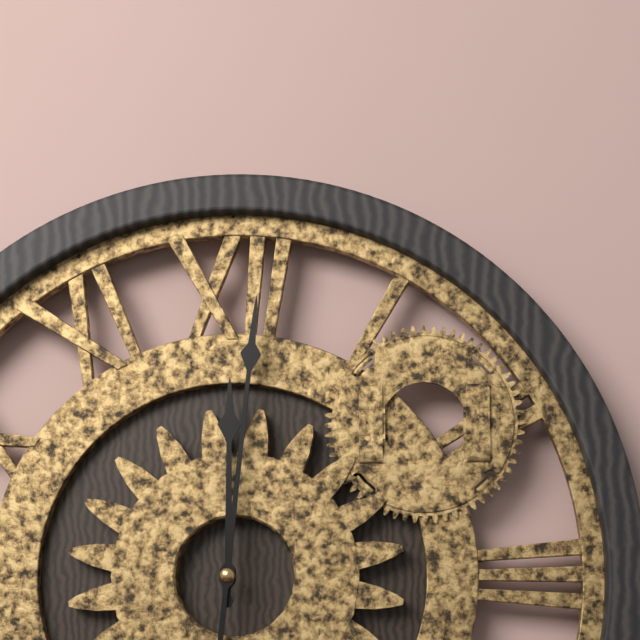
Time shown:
{"hour": 12, "minute": 1}
